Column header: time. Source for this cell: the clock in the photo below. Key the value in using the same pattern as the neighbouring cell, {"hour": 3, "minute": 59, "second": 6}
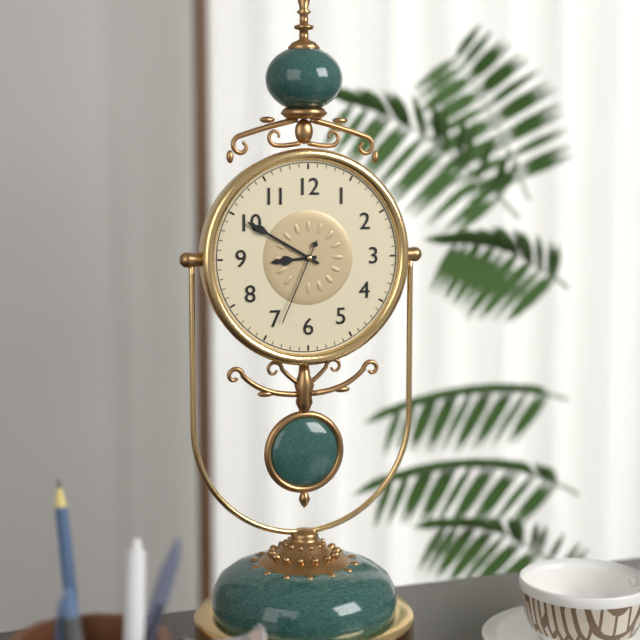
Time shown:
{"hour": 8, "minute": 50, "second": 34}
